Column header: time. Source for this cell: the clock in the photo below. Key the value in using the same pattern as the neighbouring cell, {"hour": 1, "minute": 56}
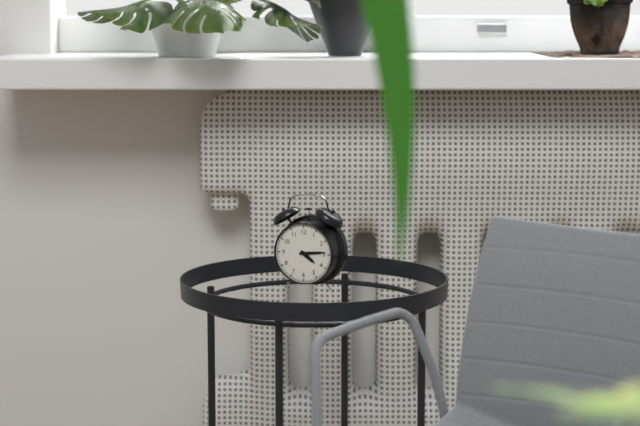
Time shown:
{"hour": 4, "minute": 14}
